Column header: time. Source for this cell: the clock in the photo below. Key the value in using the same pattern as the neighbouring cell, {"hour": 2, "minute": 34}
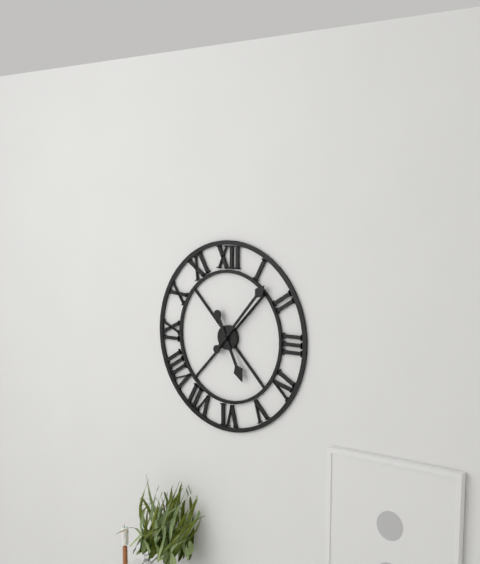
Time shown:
{"hour": 5, "minute": 7}
